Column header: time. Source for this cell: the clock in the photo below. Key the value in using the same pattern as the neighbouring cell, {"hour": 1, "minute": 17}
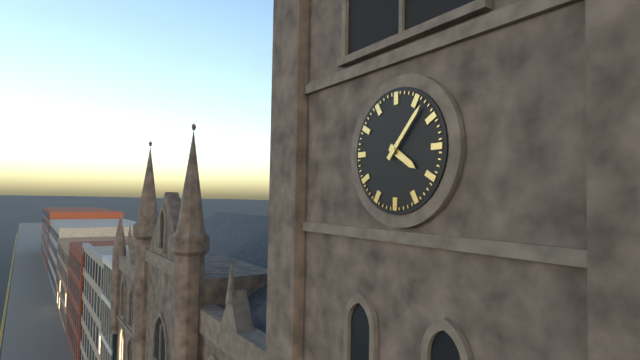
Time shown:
{"hour": 4, "minute": 7}
